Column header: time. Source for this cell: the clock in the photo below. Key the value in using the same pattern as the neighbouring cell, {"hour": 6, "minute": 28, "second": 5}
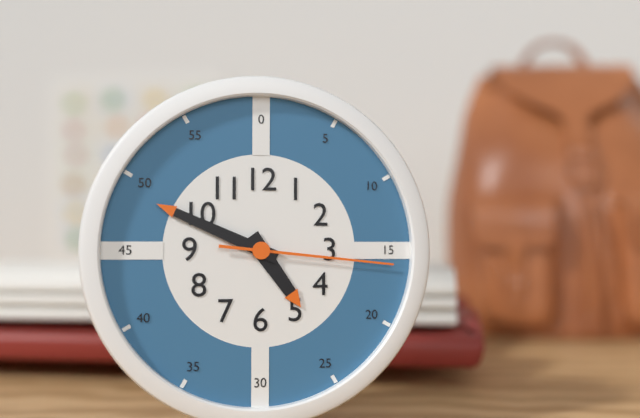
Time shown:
{"hour": 4, "minute": 49, "second": 16}
